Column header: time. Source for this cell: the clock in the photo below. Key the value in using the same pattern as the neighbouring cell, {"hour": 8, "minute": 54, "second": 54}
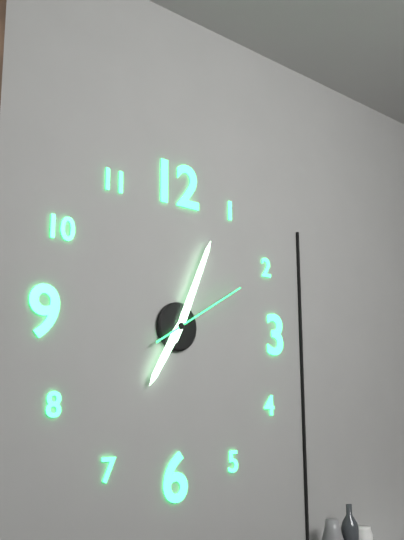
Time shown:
{"hour": 7, "minute": 4, "second": 10}
